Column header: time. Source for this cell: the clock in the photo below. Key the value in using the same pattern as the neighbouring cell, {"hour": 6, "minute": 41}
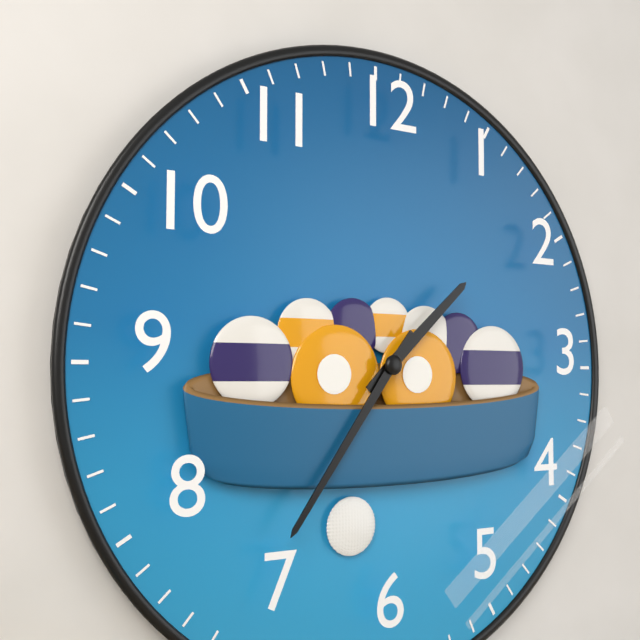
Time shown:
{"hour": 1, "minute": 36}
